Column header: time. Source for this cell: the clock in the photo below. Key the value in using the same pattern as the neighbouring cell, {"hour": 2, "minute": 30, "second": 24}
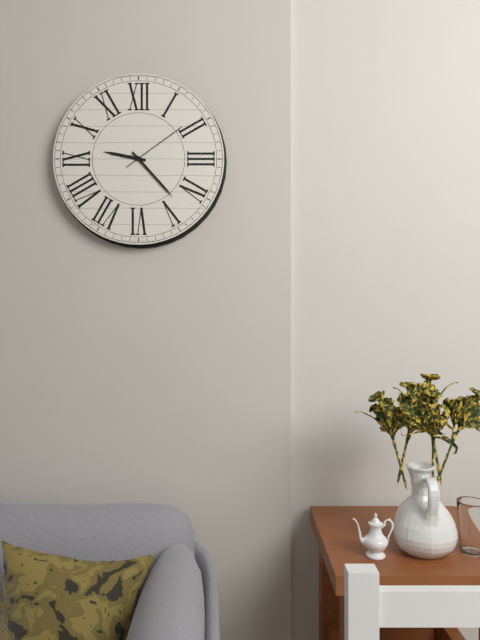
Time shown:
{"hour": 9, "minute": 23, "second": 9}
